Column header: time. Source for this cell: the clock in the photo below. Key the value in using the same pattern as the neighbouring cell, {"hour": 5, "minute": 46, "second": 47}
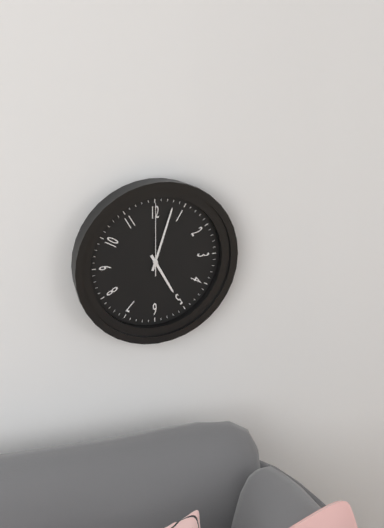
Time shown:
{"hour": 5, "minute": 3, "second": 0}
